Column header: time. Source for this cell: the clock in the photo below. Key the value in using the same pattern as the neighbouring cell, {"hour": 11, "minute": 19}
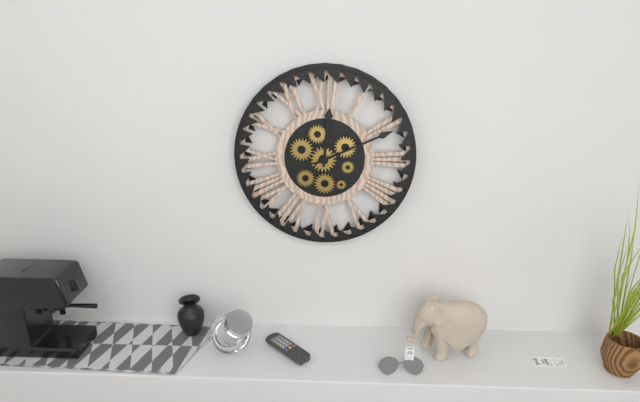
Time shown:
{"hour": 12, "minute": 11}
